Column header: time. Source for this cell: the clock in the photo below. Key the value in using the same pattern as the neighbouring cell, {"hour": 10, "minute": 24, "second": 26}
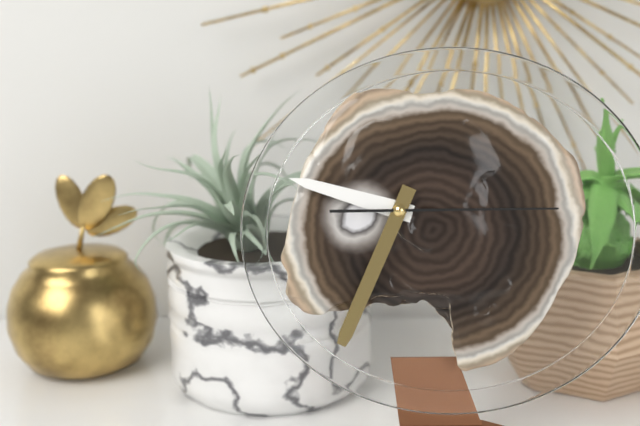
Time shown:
{"hour": 9, "minute": 34, "second": 15}
